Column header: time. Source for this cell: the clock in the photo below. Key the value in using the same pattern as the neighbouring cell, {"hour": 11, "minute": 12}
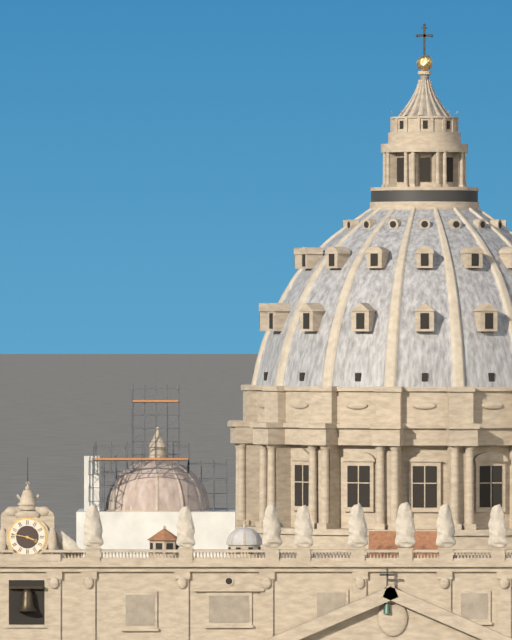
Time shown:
{"hour": 3, "minute": 47}
